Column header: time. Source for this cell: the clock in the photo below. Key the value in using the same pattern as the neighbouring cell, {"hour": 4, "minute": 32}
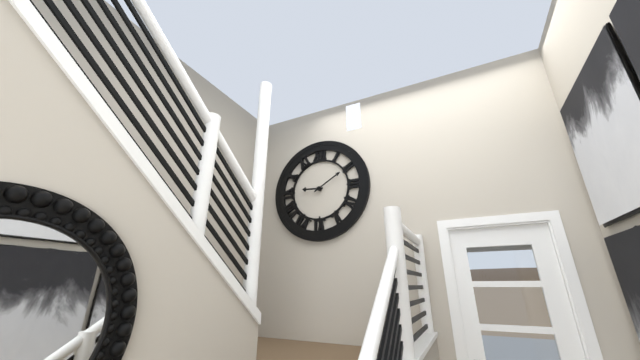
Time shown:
{"hour": 9, "minute": 10}
